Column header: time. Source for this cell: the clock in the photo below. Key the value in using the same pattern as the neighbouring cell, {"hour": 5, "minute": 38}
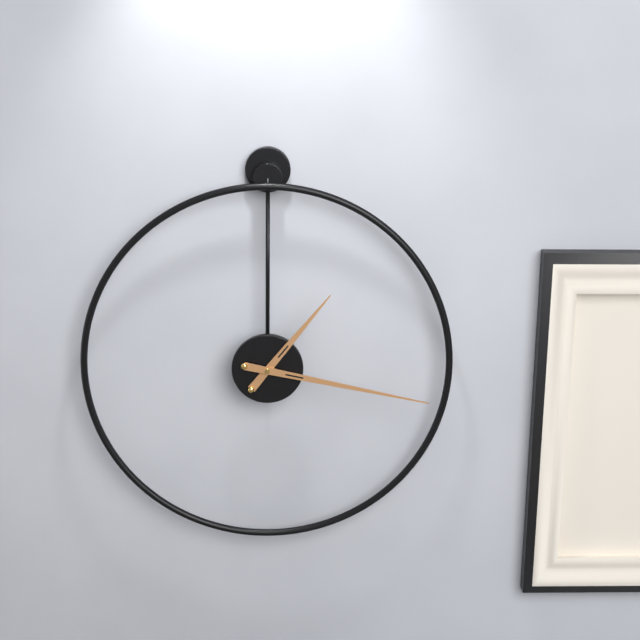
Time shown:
{"hour": 1, "minute": 17}
